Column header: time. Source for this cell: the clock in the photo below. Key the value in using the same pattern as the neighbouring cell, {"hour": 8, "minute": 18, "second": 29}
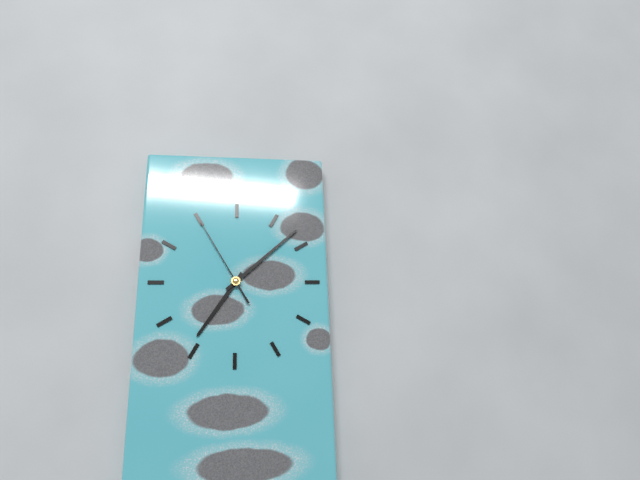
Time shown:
{"hour": 7, "minute": 8, "second": 55}
